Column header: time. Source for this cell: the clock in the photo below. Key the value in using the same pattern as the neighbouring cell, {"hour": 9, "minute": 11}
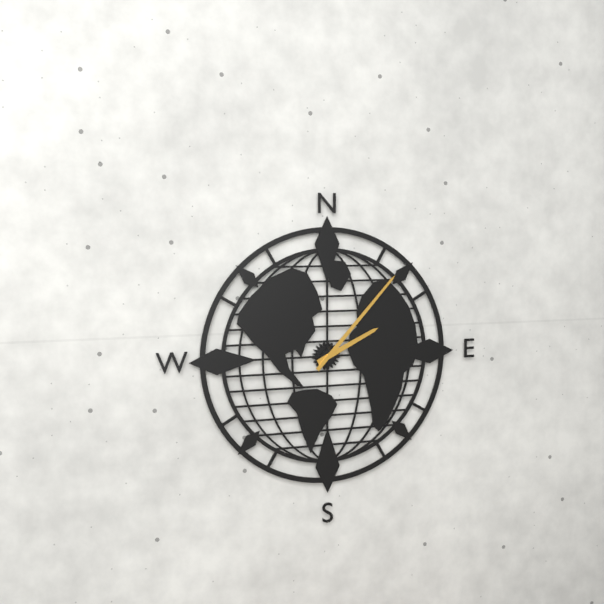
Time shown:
{"hour": 2, "minute": 7}
